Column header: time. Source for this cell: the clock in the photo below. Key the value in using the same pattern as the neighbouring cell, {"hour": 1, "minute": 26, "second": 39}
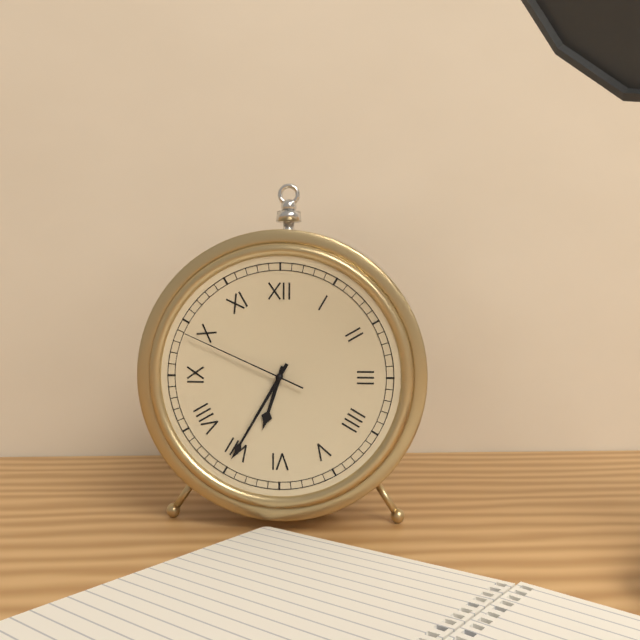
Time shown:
{"hour": 6, "minute": 35, "second": 49}
